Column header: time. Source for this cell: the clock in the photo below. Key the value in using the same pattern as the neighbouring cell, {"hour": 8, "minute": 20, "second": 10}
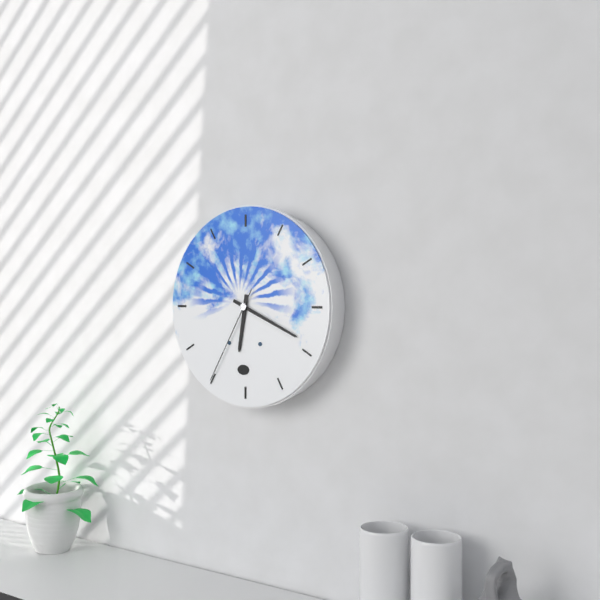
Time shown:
{"hour": 6, "minute": 19, "second": 35}
